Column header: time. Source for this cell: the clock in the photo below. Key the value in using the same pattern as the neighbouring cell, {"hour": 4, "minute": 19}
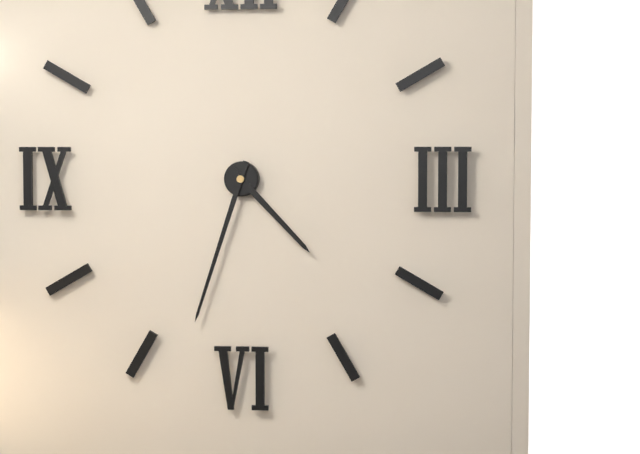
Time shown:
{"hour": 4, "minute": 33}
